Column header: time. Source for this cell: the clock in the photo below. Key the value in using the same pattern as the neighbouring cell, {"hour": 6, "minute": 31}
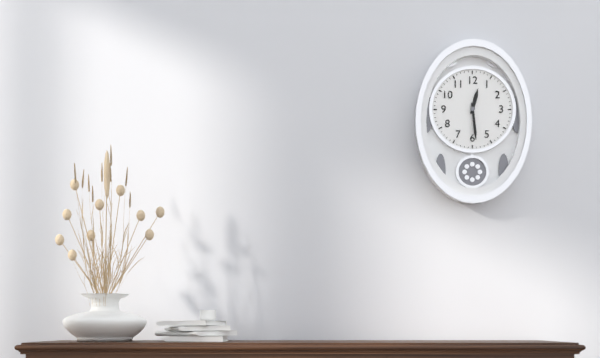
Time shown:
{"hour": 12, "minute": 29}
